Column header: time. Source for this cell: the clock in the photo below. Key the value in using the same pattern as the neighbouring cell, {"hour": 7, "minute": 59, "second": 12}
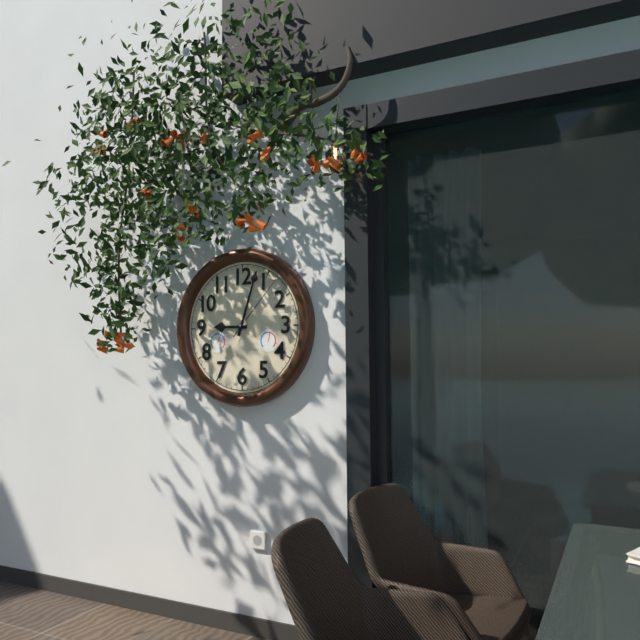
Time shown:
{"hour": 9, "minute": 3, "second": 7}
